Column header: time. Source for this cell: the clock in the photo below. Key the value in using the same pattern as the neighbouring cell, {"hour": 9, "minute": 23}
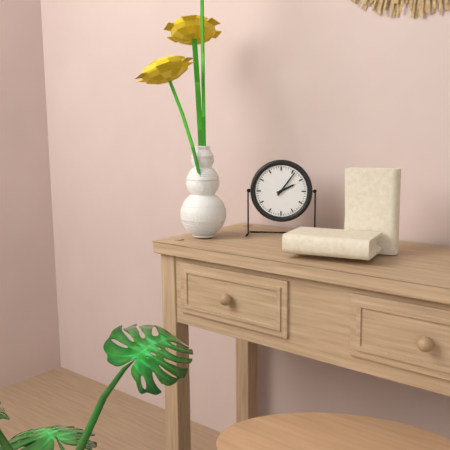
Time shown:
{"hour": 2, "minute": 6}
